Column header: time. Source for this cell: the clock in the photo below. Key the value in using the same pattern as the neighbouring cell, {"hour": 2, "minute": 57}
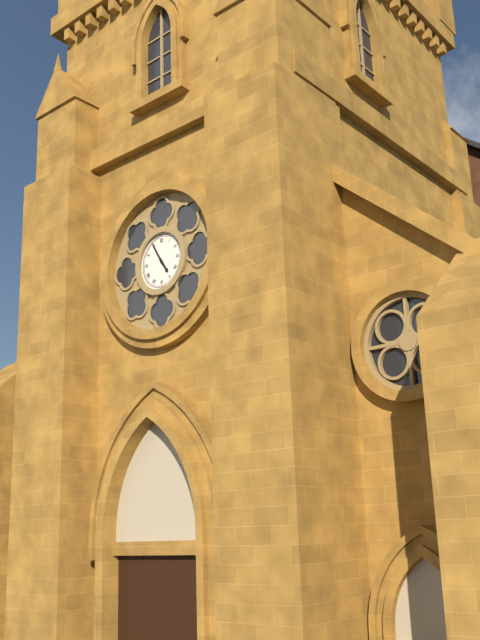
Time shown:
{"hour": 4, "minute": 55}
